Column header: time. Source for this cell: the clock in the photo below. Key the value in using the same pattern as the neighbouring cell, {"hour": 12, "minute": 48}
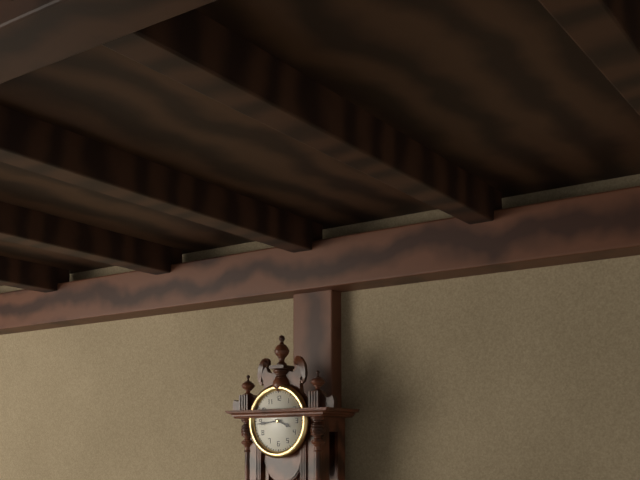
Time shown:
{"hour": 3, "minute": 44}
